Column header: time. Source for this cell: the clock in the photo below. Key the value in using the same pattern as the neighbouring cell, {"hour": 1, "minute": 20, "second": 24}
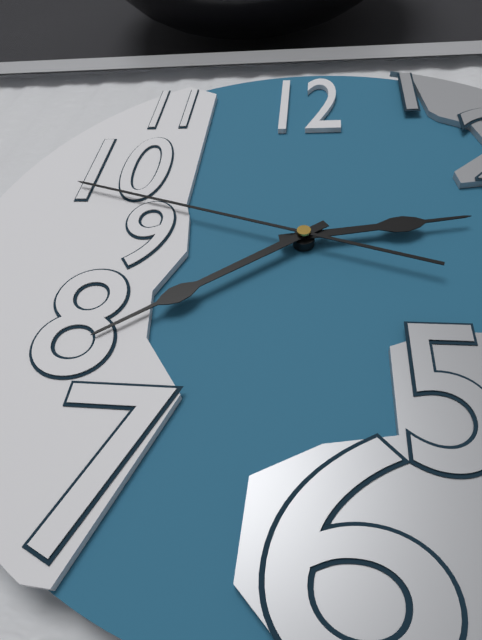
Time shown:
{"hour": 2, "minute": 39, "second": 48}
